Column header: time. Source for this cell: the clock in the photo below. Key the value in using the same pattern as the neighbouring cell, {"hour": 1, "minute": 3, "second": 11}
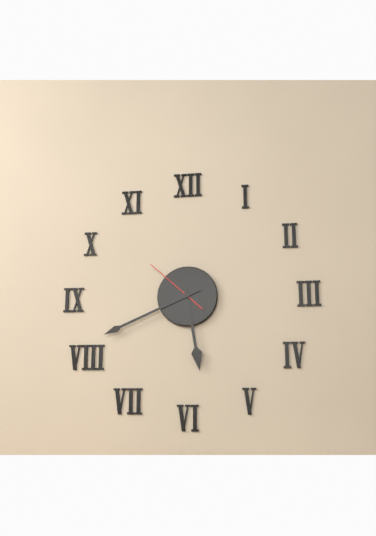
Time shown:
{"hour": 5, "minute": 41, "second": 52}
